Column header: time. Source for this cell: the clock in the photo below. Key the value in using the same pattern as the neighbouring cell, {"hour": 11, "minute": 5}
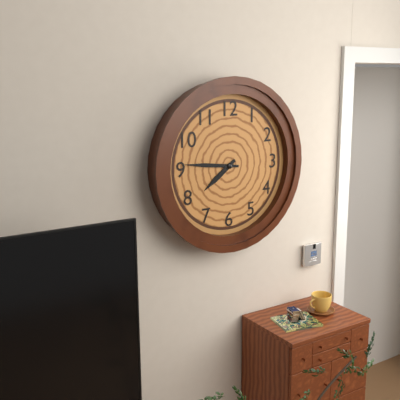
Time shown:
{"hour": 7, "minute": 46}
